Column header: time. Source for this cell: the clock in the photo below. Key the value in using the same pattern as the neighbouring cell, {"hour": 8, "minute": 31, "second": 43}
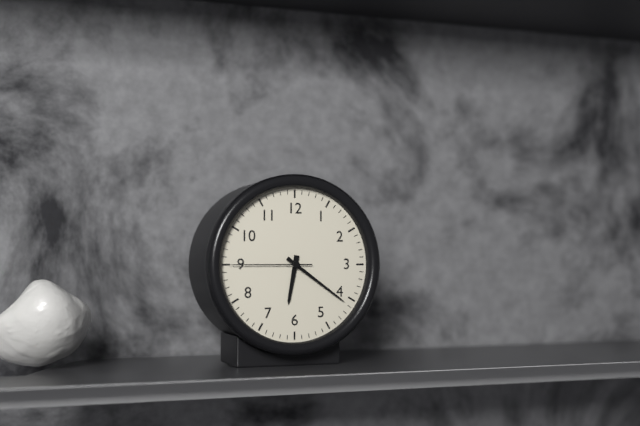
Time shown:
{"hour": 6, "minute": 21, "second": 45}
